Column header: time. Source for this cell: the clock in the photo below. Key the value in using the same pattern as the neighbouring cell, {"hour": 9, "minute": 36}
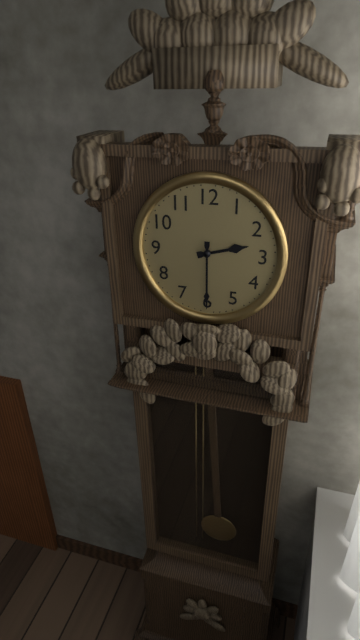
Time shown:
{"hour": 2, "minute": 30}
